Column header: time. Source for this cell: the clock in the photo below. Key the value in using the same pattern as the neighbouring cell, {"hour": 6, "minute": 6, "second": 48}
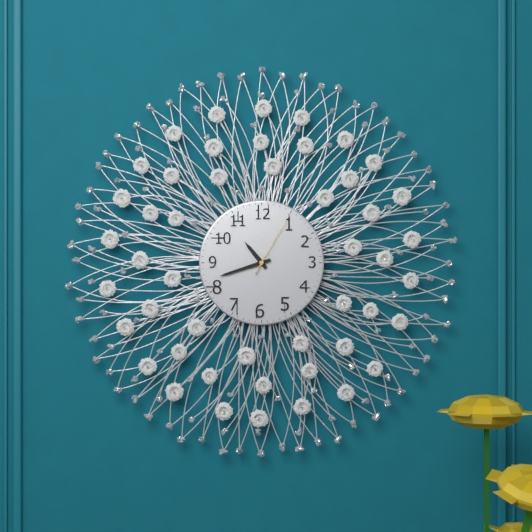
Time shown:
{"hour": 10, "minute": 42, "second": 5}
